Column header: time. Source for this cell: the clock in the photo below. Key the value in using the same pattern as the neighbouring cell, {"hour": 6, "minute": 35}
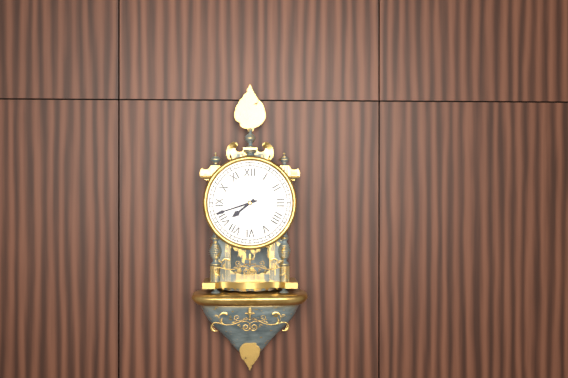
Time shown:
{"hour": 7, "minute": 42}
